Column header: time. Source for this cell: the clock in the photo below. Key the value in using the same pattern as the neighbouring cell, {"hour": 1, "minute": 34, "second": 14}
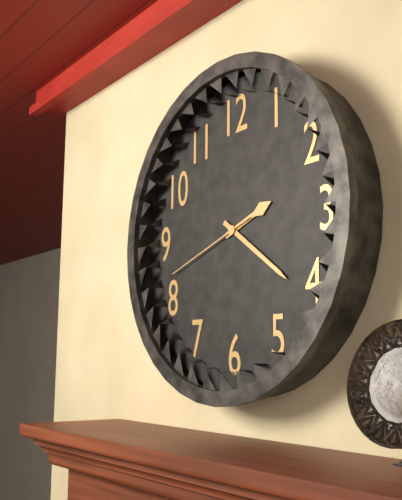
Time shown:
{"hour": 2, "minute": 21, "second": 42}
